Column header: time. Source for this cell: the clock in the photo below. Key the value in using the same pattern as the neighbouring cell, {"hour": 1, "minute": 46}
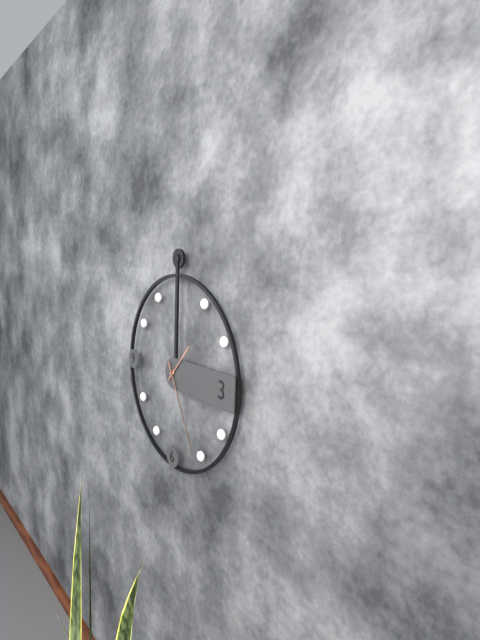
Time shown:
{"hour": 1, "minute": 25}
